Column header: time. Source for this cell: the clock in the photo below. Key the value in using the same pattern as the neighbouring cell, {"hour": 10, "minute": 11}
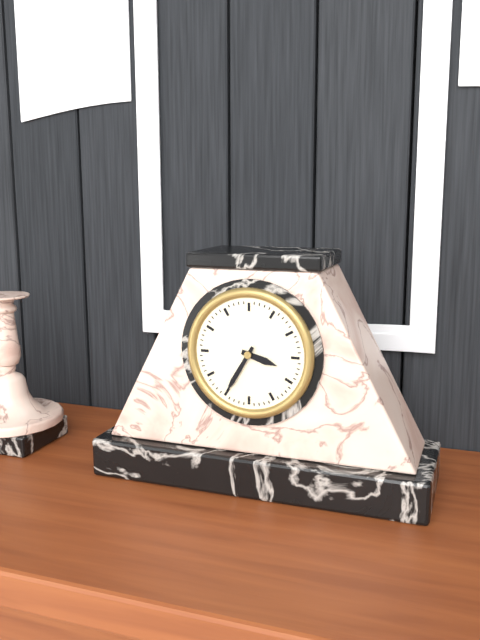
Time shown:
{"hour": 3, "minute": 35}
